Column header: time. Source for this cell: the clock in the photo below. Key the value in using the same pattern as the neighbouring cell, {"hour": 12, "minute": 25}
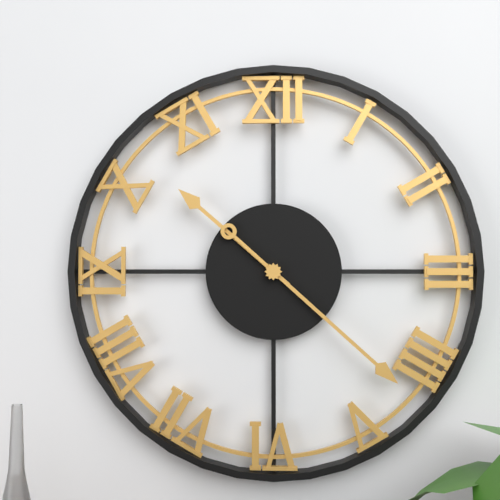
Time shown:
{"hour": 10, "minute": 22}
